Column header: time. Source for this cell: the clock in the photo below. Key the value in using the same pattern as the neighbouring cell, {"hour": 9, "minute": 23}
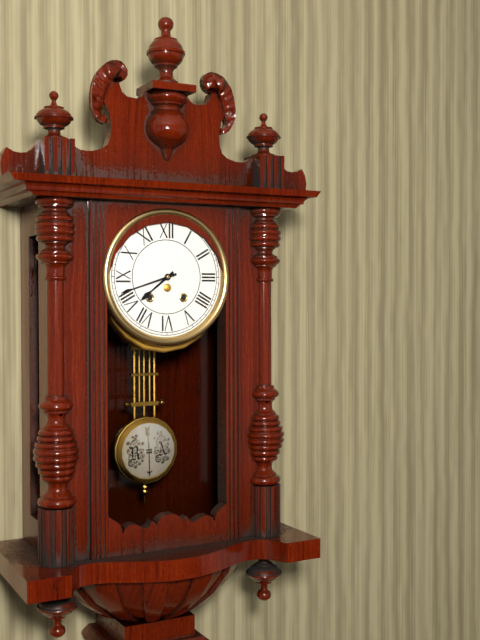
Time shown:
{"hour": 7, "minute": 42}
